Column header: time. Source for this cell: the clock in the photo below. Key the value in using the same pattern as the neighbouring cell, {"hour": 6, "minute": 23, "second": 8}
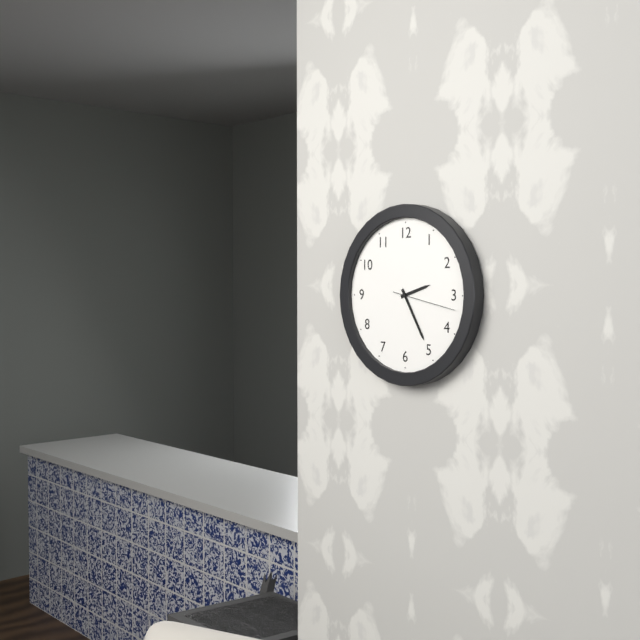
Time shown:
{"hour": 2, "minute": 25, "second": 17}
